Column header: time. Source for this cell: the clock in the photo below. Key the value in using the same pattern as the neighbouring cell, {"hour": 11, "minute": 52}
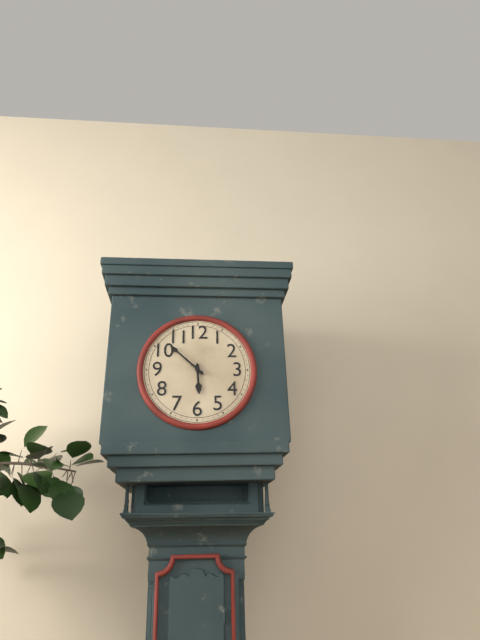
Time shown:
{"hour": 5, "minute": 52}
